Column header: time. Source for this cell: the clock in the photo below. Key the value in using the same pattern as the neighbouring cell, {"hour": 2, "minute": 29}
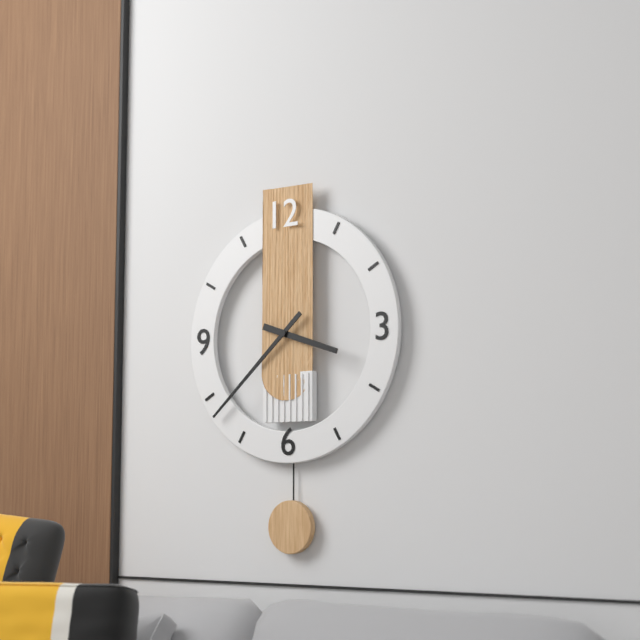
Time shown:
{"hour": 3, "minute": 38}
